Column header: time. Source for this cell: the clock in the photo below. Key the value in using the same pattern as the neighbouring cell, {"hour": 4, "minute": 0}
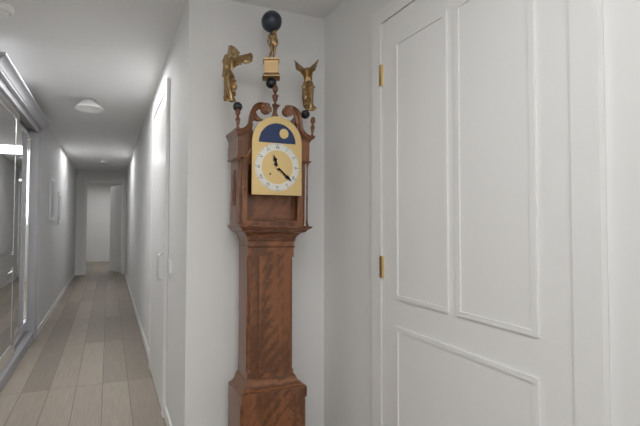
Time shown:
{"hour": 11, "minute": 22}
